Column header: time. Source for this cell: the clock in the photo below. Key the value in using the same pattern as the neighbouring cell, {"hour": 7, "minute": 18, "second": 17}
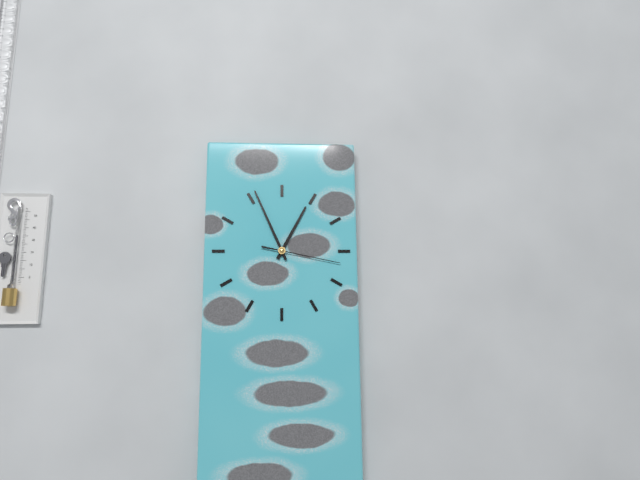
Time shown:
{"hour": 12, "minute": 56, "second": 17}
